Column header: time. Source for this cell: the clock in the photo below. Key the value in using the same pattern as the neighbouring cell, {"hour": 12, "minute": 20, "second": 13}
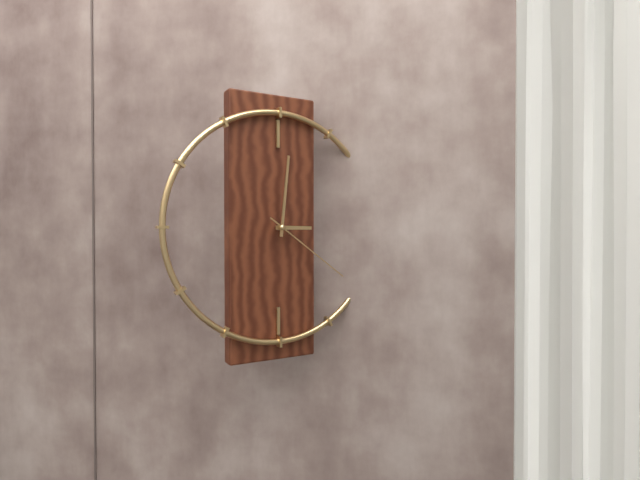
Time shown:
{"hour": 3, "minute": 1, "second": 21}
